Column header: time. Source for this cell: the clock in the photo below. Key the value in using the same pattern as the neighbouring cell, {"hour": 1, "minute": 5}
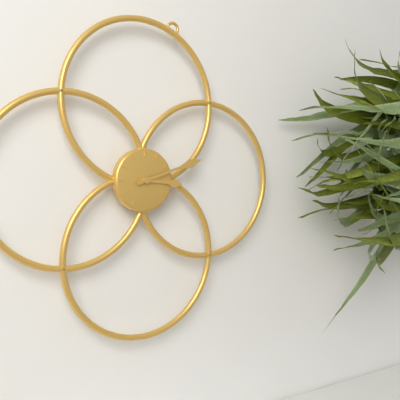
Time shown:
{"hour": 3, "minute": 12}
